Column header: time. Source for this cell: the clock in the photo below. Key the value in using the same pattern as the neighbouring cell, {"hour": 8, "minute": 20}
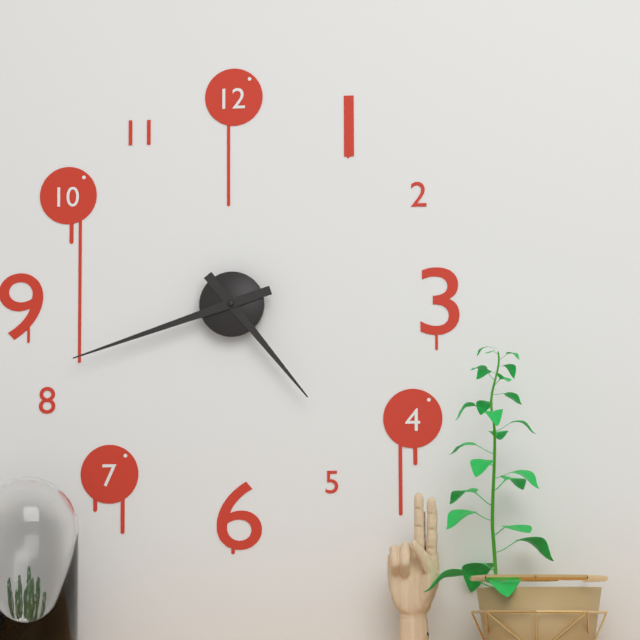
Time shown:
{"hour": 4, "minute": 42}
